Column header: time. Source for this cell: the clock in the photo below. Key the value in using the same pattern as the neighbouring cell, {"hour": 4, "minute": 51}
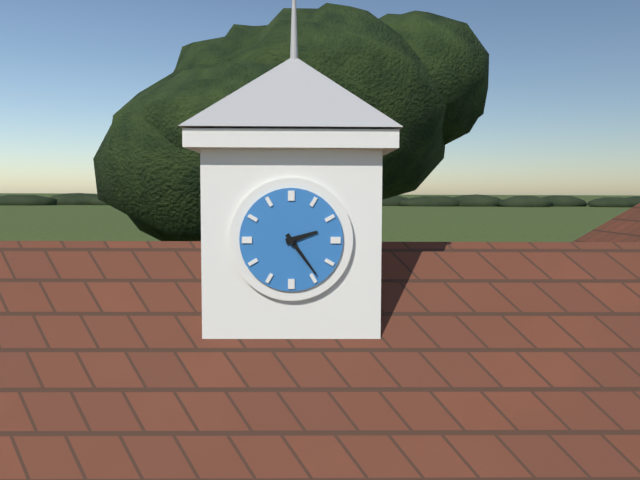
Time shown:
{"hour": 2, "minute": 24}
